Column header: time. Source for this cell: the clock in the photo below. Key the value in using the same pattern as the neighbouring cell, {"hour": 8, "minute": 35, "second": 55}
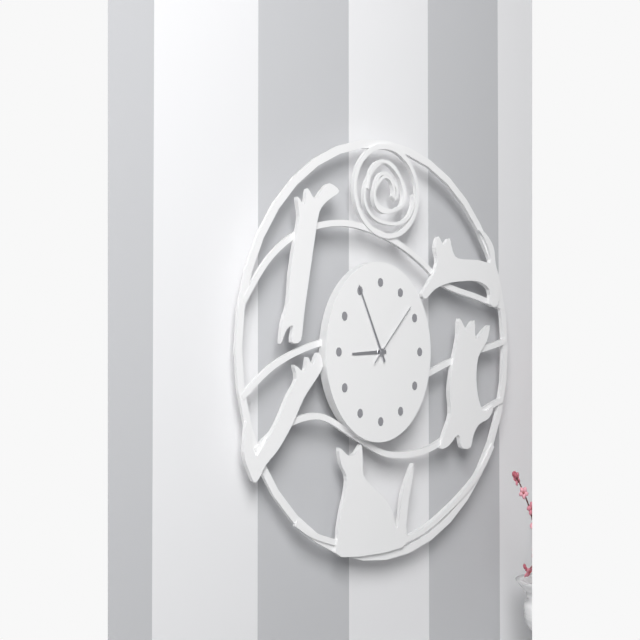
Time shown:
{"hour": 8, "minute": 55, "second": 8}
